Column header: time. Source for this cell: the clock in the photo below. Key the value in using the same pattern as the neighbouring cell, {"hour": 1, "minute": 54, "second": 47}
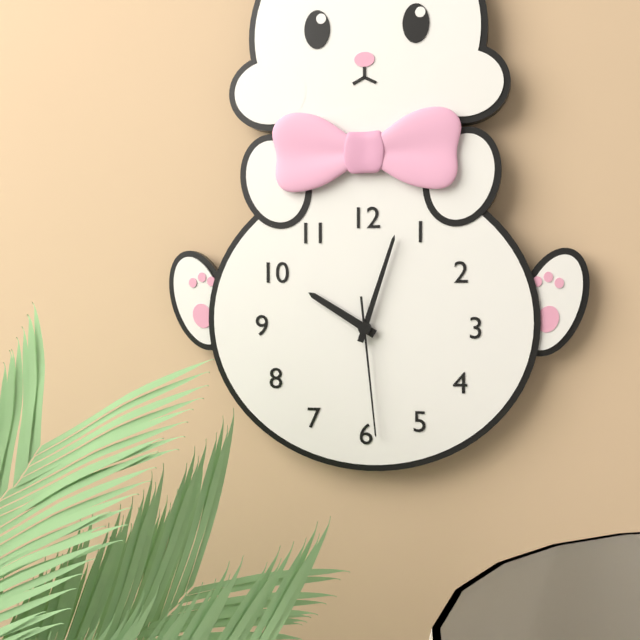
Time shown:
{"hour": 10, "minute": 3, "second": 29}
